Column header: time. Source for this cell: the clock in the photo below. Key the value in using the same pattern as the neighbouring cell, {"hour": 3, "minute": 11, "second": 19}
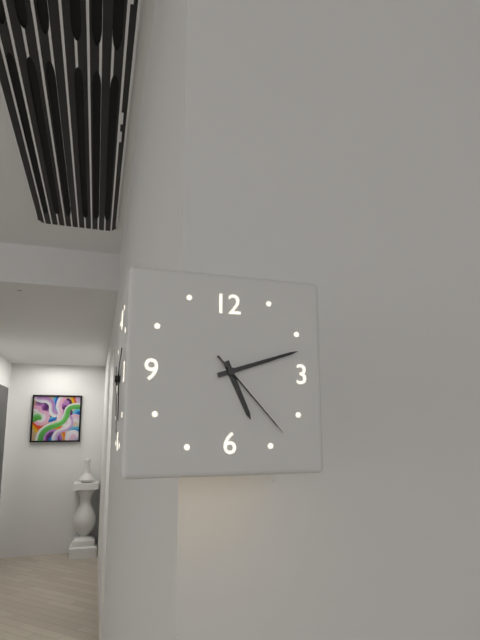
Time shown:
{"hour": 5, "minute": 12, "second": 23}
